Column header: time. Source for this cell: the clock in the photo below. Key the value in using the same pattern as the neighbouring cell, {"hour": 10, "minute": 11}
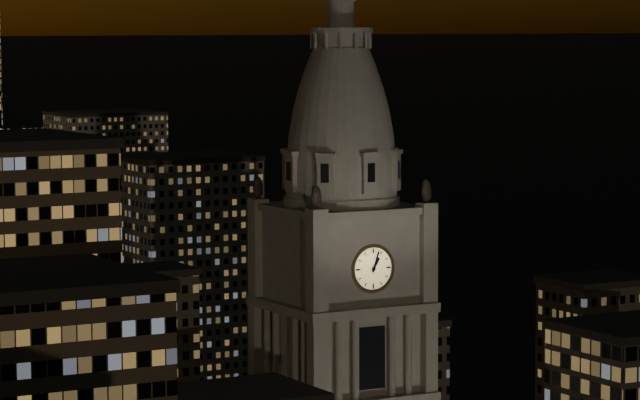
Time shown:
{"hour": 1, "minute": 3}
